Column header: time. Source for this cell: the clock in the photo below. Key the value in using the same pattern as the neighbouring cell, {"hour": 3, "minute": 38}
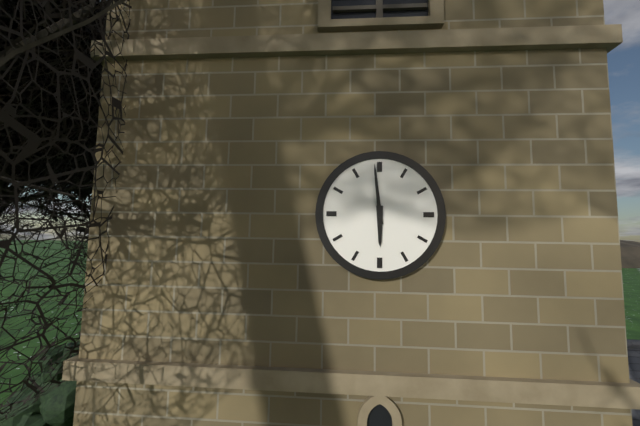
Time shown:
{"hour": 5, "minute": 59}
